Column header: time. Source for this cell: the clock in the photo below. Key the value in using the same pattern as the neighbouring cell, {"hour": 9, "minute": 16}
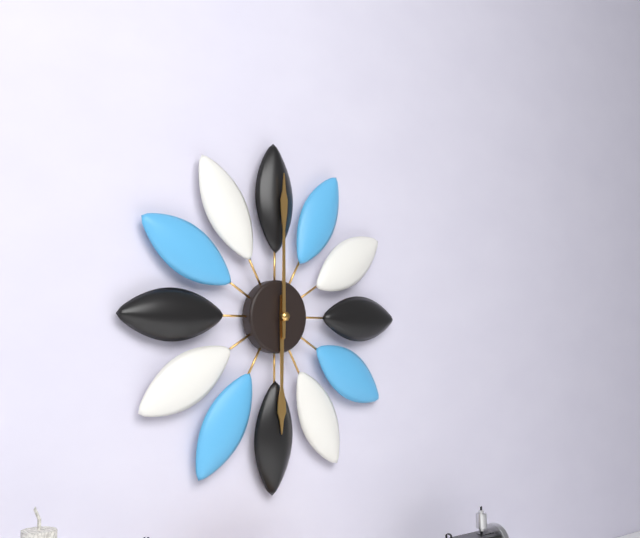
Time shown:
{"hour": 6, "minute": 0}
